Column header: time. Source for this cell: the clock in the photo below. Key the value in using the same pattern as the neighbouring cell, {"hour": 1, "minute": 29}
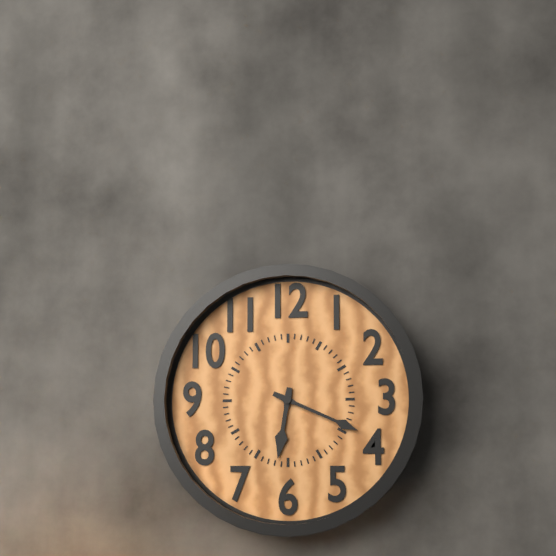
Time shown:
{"hour": 6, "minute": 19}
